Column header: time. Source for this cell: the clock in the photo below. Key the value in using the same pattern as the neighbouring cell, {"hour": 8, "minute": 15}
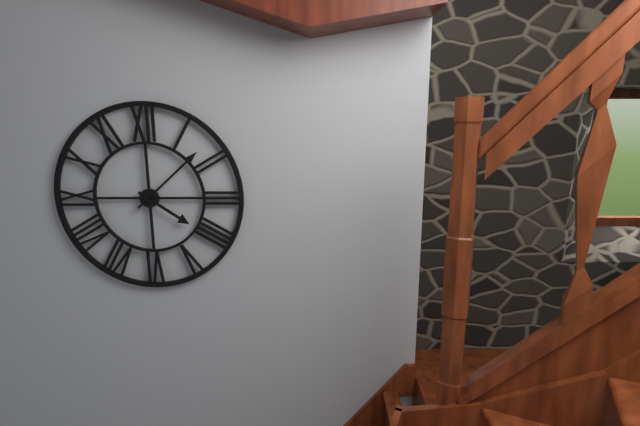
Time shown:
{"hour": 4, "minute": 8}
